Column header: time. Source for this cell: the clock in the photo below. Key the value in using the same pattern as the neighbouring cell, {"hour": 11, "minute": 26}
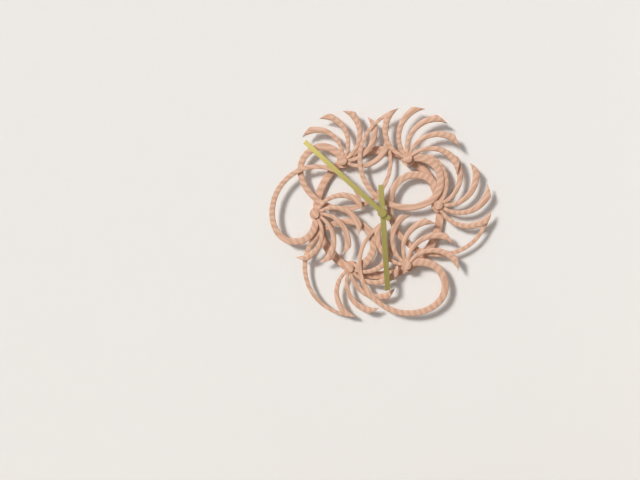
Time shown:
{"hour": 5, "minute": 52}
